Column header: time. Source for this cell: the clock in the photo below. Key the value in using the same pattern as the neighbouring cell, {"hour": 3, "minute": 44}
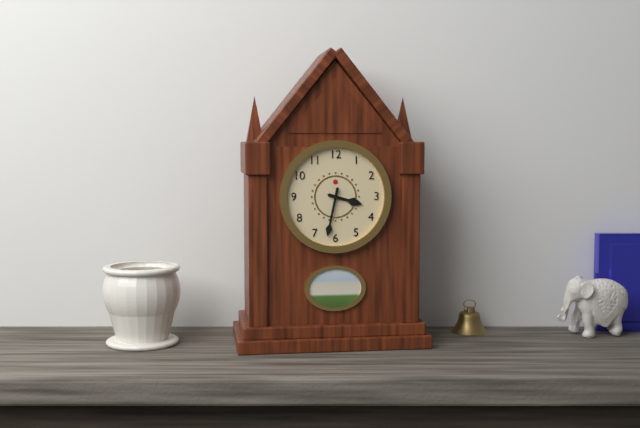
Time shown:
{"hour": 3, "minute": 32}
